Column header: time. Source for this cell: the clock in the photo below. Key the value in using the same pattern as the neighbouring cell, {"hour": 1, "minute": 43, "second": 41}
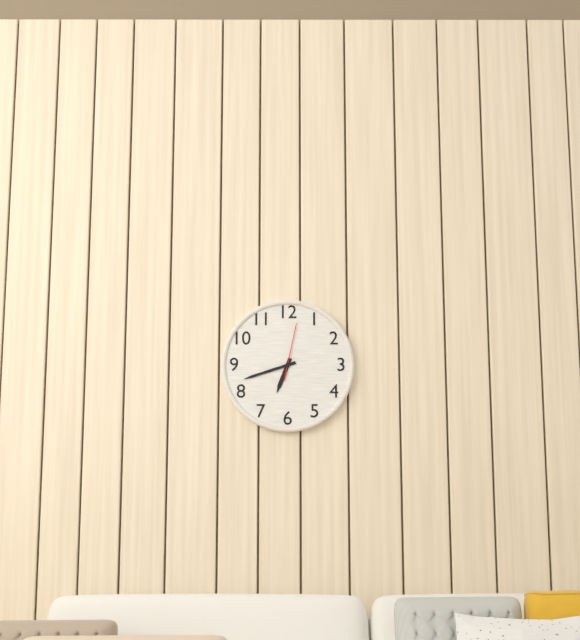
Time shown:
{"hour": 6, "minute": 42, "second": 2}
